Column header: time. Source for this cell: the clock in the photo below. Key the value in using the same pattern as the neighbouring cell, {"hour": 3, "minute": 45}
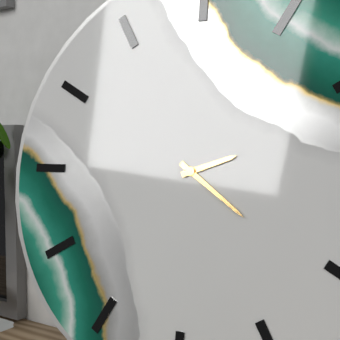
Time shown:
{"hour": 2, "minute": 21}
